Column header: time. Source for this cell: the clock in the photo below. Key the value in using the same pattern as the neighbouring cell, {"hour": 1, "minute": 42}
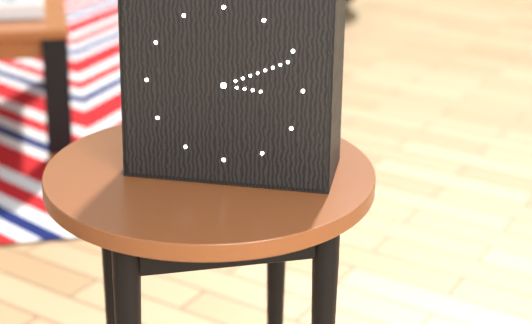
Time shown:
{"hour": 3, "minute": 11}
